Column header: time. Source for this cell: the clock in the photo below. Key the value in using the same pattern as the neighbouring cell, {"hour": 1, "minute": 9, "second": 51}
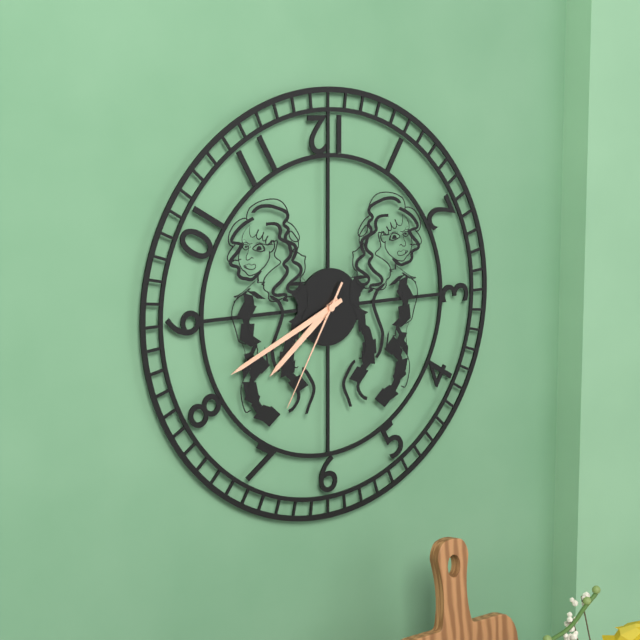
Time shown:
{"hour": 7, "minute": 41, "second": 35}
